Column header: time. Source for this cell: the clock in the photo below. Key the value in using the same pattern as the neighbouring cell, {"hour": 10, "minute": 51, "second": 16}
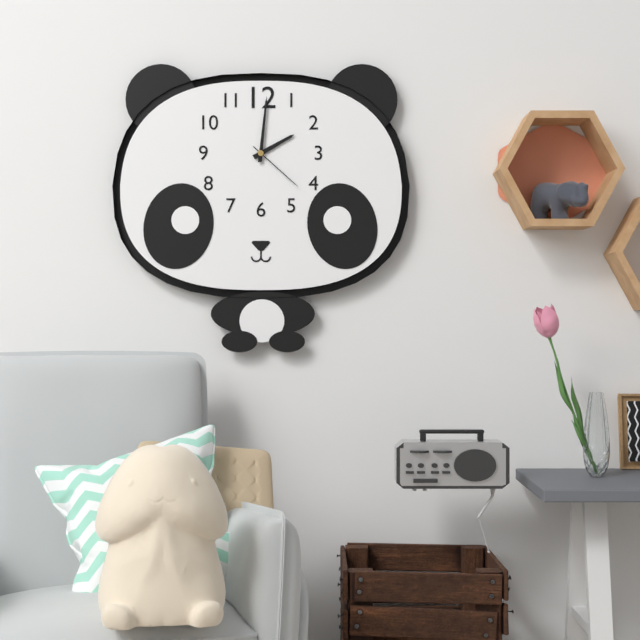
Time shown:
{"hour": 2, "minute": 1, "second": 22}
